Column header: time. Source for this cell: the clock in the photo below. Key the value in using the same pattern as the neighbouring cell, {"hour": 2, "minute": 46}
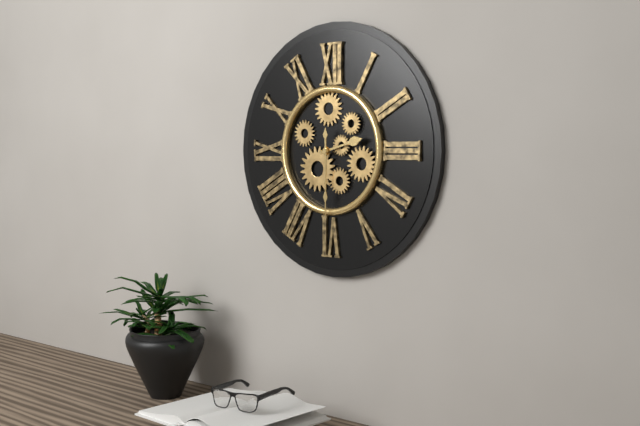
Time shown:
{"hour": 2, "minute": 30}
